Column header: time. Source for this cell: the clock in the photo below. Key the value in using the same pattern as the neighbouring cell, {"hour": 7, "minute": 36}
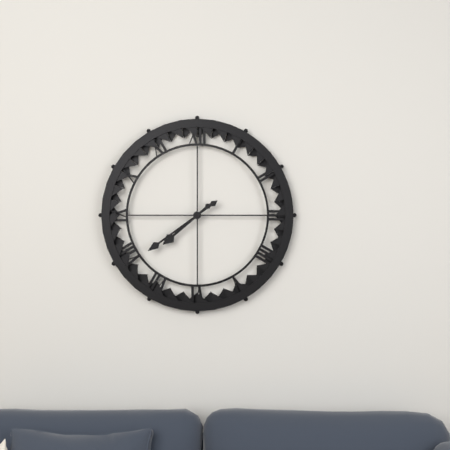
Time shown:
{"hour": 7, "minute": 39}
